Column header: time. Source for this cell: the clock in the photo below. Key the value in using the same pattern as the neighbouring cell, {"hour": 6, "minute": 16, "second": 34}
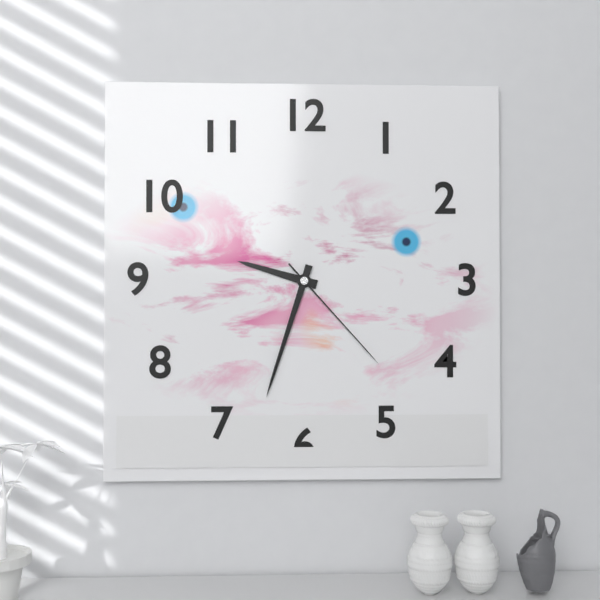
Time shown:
{"hour": 9, "minute": 33, "second": 23}
